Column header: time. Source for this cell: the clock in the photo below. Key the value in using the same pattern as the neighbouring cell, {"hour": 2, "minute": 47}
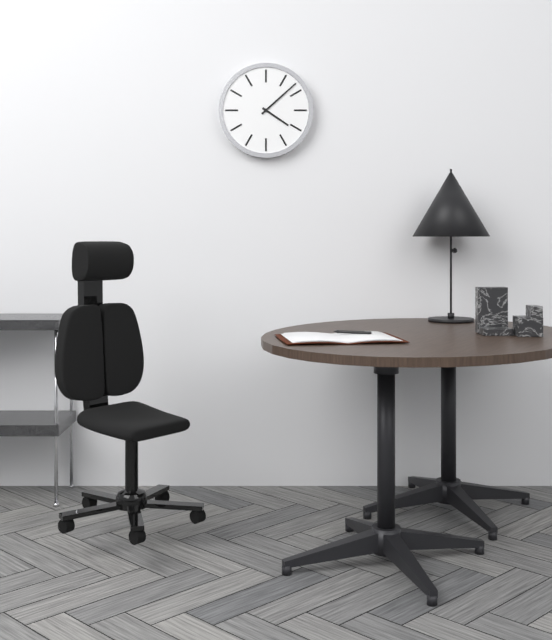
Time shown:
{"hour": 4, "minute": 8}
